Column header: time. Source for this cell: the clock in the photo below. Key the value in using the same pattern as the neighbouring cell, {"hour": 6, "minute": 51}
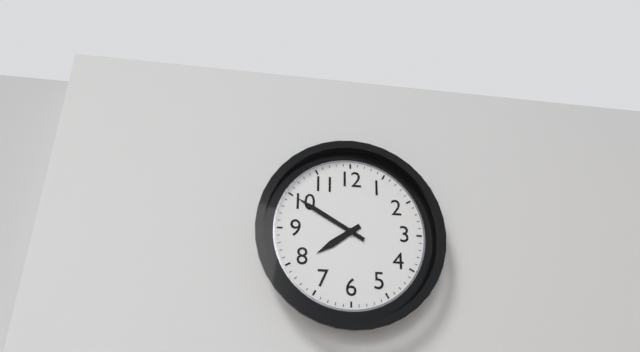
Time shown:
{"hour": 7, "minute": 50}
